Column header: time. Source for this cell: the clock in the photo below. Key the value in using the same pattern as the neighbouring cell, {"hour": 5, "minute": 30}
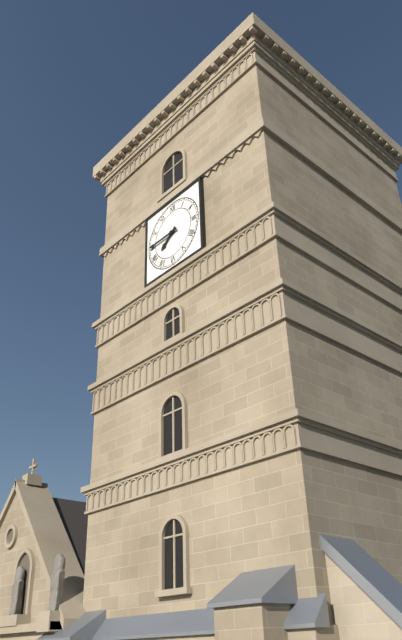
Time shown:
{"hour": 7, "minute": 45}
